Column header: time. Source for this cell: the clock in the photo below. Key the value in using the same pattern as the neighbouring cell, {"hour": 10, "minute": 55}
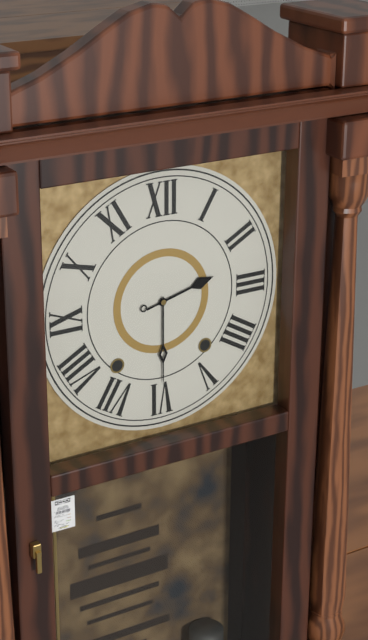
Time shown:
{"hour": 2, "minute": 30}
